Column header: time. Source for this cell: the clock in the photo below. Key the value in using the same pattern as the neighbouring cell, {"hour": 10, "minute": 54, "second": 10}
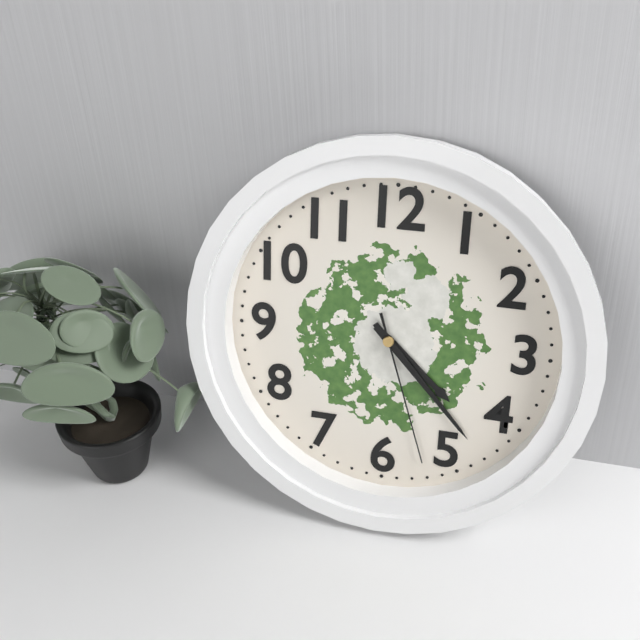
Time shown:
{"hour": 4, "minute": 23, "second": 27}
